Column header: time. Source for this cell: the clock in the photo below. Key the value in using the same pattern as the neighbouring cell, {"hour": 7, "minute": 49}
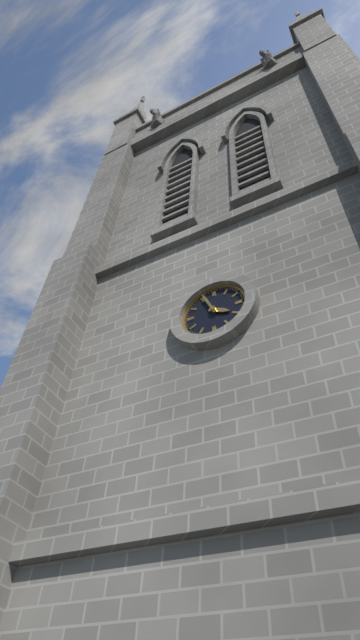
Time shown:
{"hour": 3, "minute": 56}
